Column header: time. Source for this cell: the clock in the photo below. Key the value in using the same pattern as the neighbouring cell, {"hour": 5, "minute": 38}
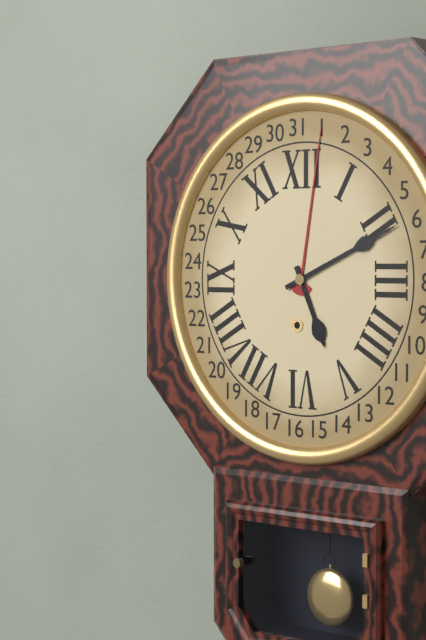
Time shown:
{"hour": 5, "minute": 11}
